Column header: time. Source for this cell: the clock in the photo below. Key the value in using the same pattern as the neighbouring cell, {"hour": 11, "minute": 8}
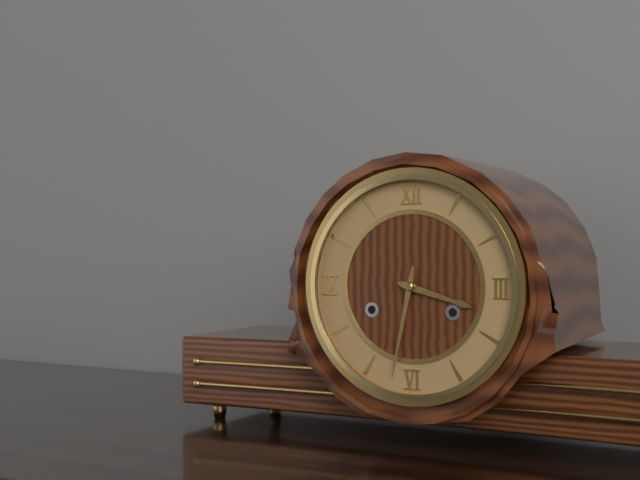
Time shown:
{"hour": 3, "minute": 32}
